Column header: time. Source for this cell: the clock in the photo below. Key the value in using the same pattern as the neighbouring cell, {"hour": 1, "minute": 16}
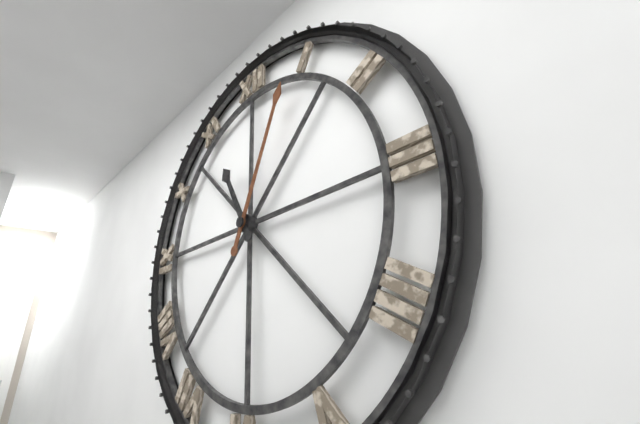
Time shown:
{"hour": 11, "minute": 4}
